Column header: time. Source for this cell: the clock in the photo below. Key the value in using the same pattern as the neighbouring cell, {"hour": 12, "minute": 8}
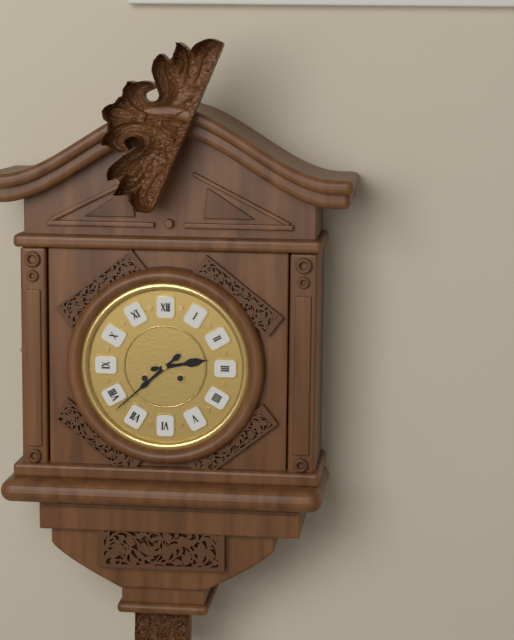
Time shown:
{"hour": 2, "minute": 38}
